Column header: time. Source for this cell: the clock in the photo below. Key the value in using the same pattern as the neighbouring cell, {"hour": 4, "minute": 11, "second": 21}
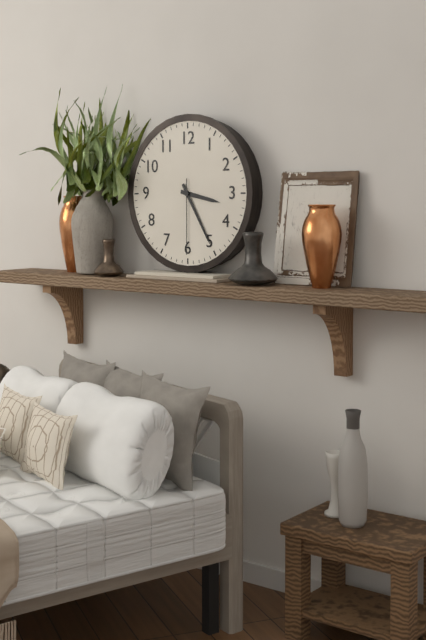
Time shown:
{"hour": 3, "minute": 25, "second": 30}
